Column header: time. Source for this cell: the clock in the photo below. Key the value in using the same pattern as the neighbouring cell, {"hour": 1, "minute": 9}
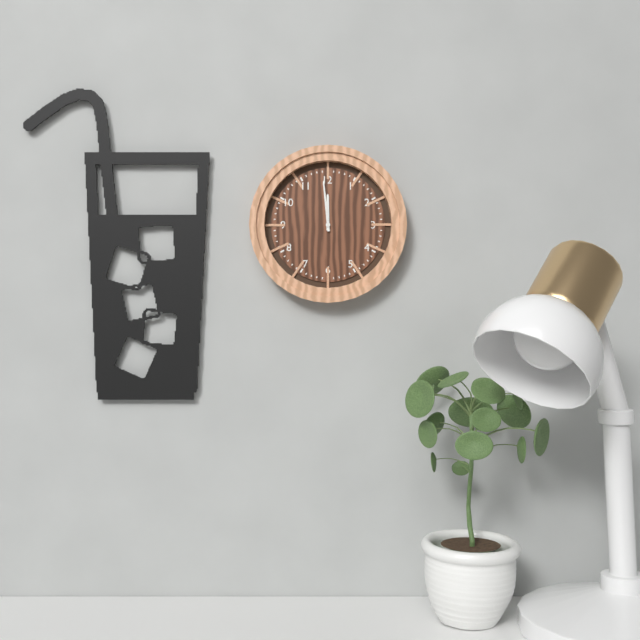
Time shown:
{"hour": 11, "minute": 59}
